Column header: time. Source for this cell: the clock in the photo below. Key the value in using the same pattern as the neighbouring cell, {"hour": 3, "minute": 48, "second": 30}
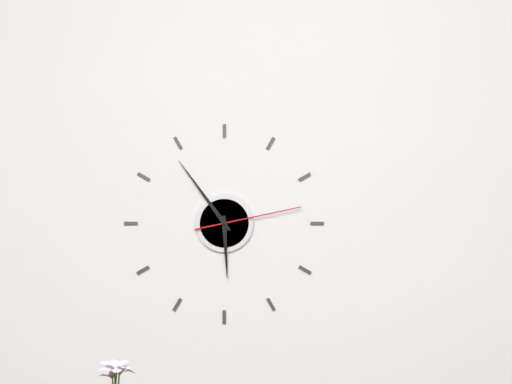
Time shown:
{"hour": 5, "minute": 54, "second": 13}
